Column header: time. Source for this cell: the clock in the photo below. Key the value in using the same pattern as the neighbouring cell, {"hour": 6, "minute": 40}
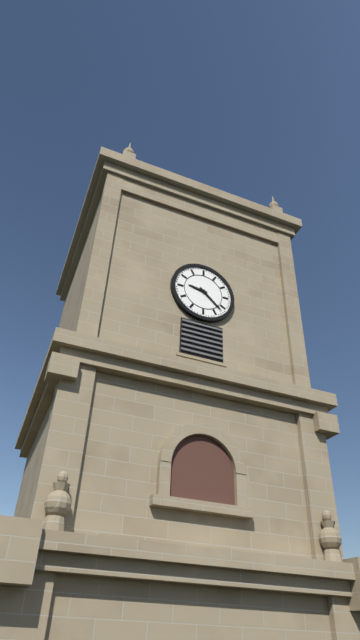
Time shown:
{"hour": 9, "minute": 22}
